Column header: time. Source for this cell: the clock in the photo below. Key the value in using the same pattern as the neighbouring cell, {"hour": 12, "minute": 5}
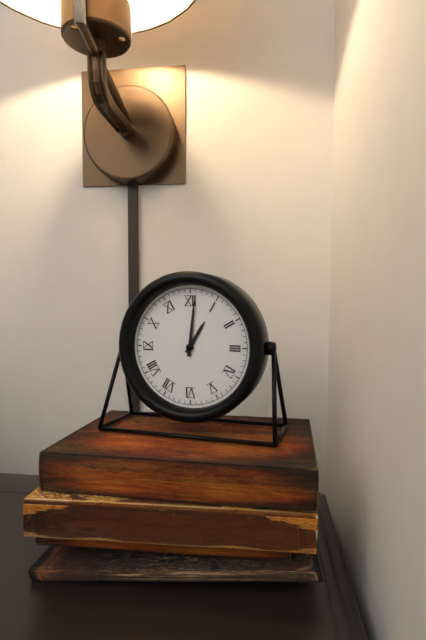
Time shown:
{"hour": 1, "minute": 1}
